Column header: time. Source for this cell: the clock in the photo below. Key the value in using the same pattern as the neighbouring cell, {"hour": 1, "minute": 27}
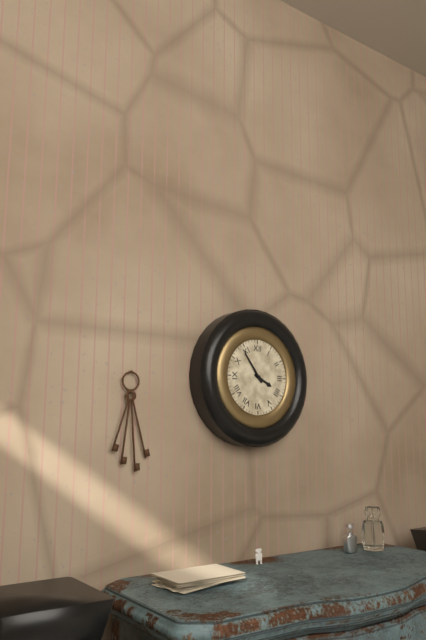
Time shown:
{"hour": 3, "minute": 54}
